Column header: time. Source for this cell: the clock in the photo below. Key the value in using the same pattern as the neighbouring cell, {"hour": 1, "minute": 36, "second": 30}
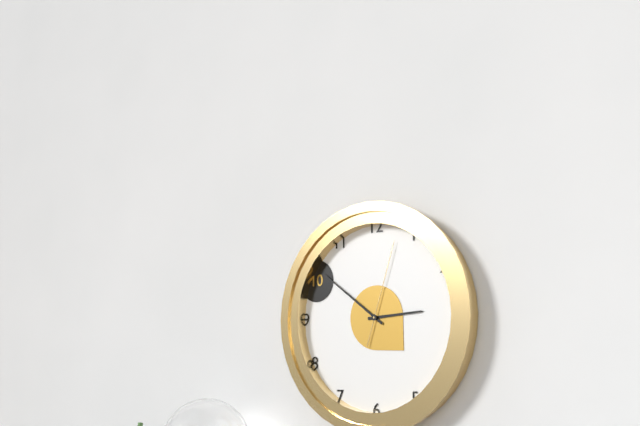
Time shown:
{"hour": 2, "minute": 51, "second": 3}
